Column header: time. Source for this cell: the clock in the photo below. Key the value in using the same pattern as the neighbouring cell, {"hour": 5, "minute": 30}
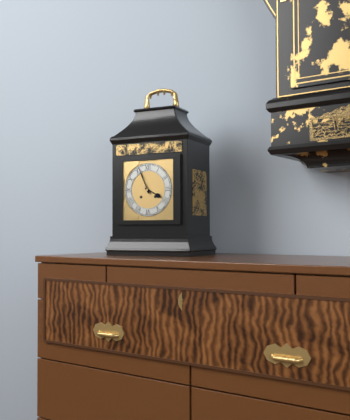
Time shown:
{"hour": 3, "minute": 56}
